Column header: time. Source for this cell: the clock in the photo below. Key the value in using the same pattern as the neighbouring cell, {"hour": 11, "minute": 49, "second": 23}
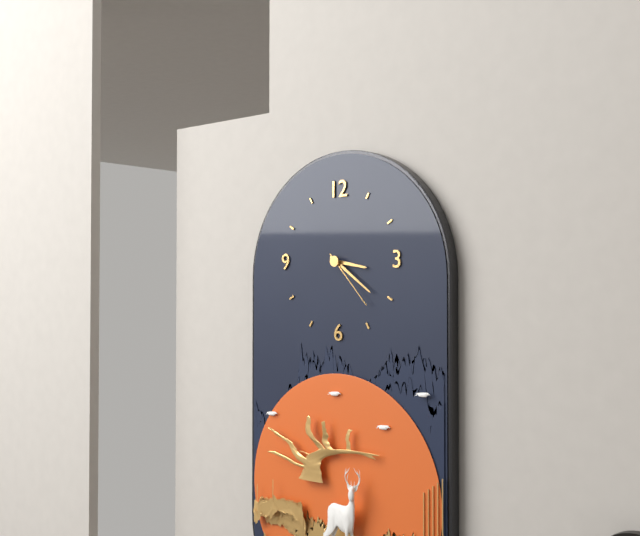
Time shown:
{"hour": 3, "minute": 21, "second": 23}
